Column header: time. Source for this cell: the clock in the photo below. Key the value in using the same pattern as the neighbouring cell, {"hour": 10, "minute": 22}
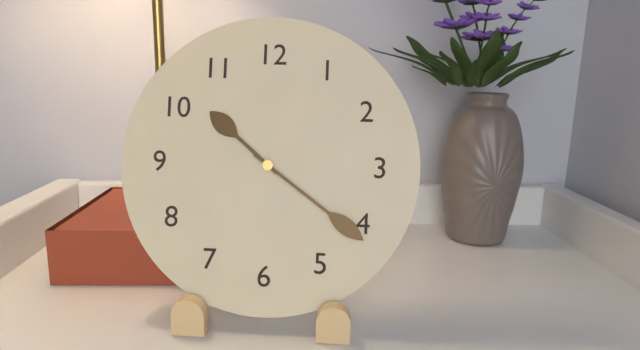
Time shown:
{"hour": 10, "minute": 21}
